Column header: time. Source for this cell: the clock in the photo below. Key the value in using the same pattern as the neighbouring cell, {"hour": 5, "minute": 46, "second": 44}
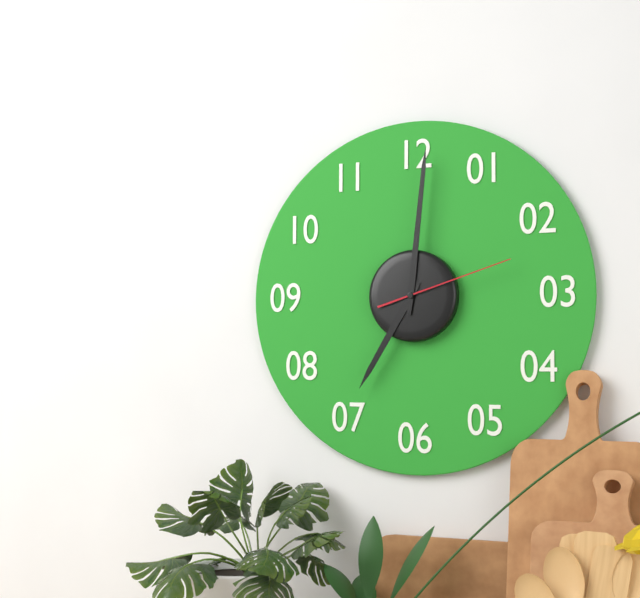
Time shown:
{"hour": 7, "minute": 1, "second": 12}
